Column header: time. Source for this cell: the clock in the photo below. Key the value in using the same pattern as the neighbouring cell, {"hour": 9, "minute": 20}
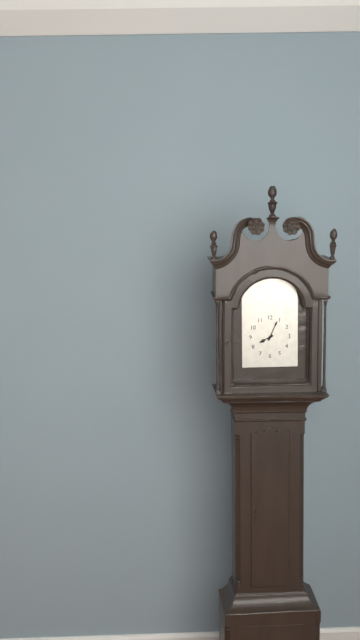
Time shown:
{"hour": 8, "minute": 4}
